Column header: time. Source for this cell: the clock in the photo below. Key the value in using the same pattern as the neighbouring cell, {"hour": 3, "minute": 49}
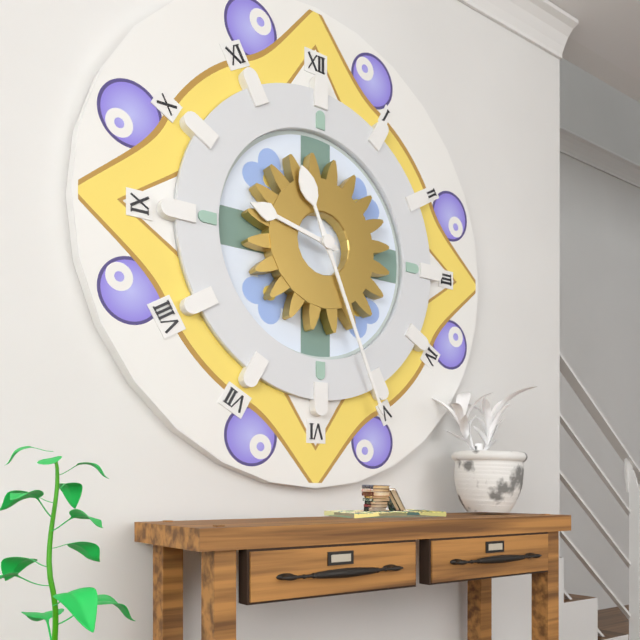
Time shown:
{"hour": 9, "minute": 26}
